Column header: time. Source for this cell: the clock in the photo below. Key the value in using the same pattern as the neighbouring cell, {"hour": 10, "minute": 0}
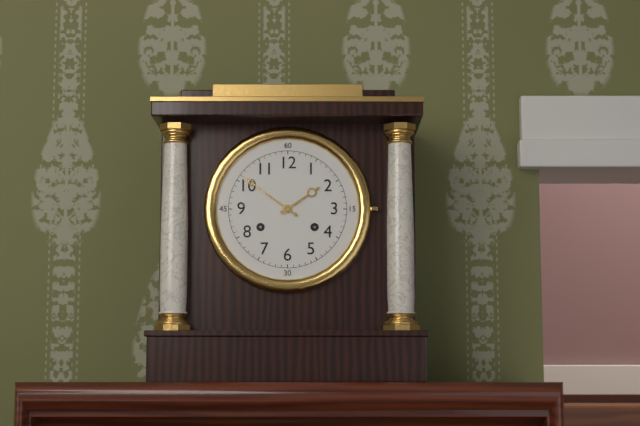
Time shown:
{"hour": 1, "minute": 51}
